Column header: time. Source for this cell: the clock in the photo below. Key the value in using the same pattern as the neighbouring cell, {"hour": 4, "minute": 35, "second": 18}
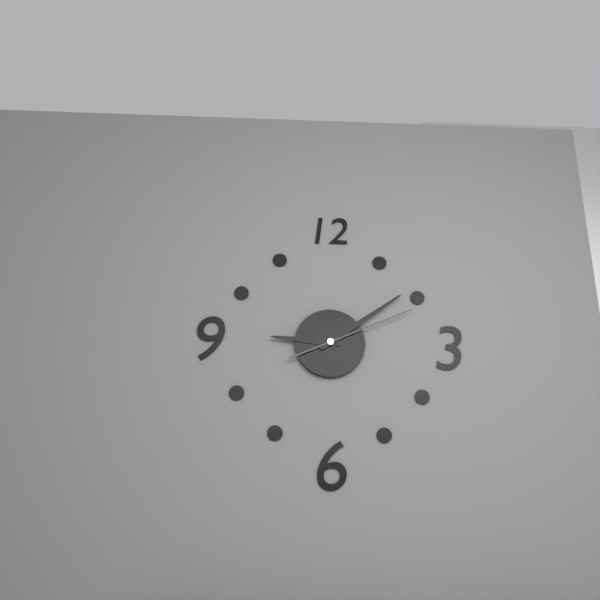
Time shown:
{"hour": 9, "minute": 9, "second": 11}
